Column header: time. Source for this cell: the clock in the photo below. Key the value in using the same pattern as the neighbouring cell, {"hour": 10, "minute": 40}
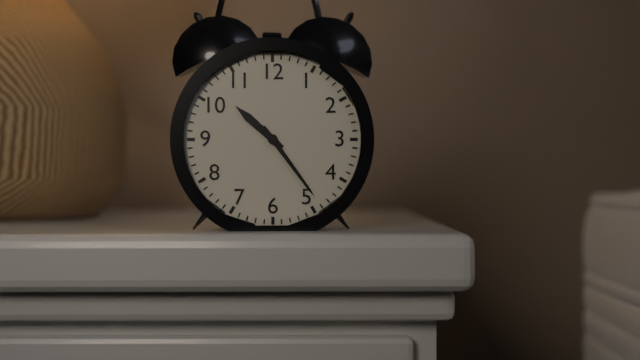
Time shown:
{"hour": 10, "minute": 24}
